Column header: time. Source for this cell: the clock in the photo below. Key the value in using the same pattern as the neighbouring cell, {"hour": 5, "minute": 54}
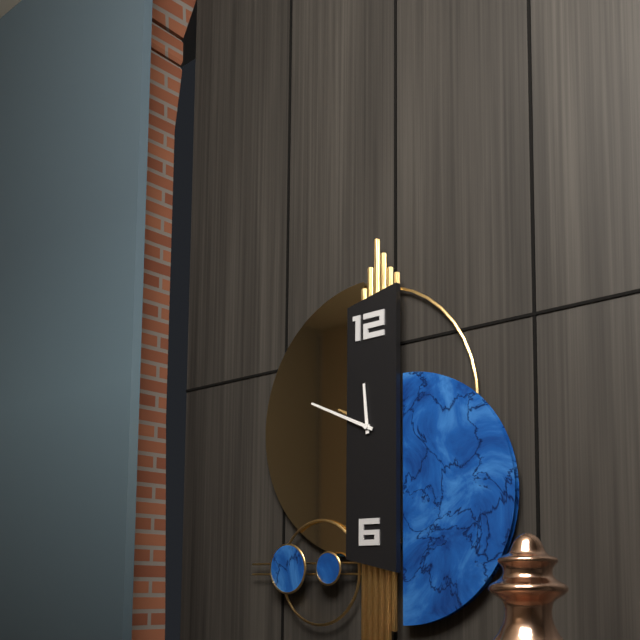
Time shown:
{"hour": 11, "minute": 49}
